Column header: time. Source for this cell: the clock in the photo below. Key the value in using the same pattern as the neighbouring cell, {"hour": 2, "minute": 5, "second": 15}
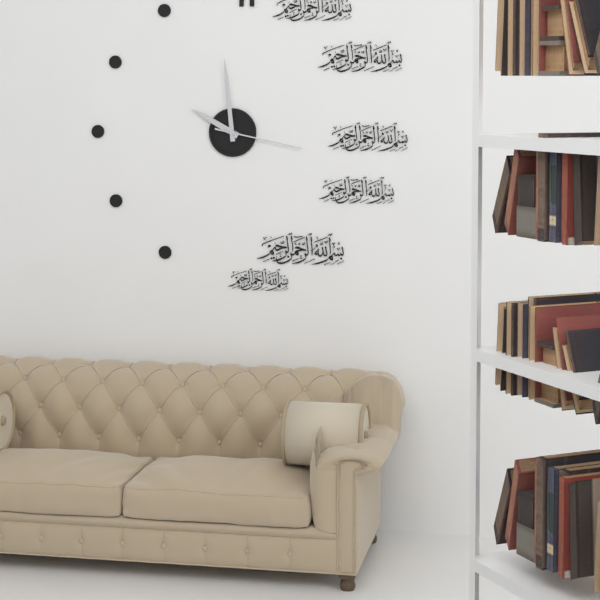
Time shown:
{"hour": 9, "minute": 59, "second": 17}
